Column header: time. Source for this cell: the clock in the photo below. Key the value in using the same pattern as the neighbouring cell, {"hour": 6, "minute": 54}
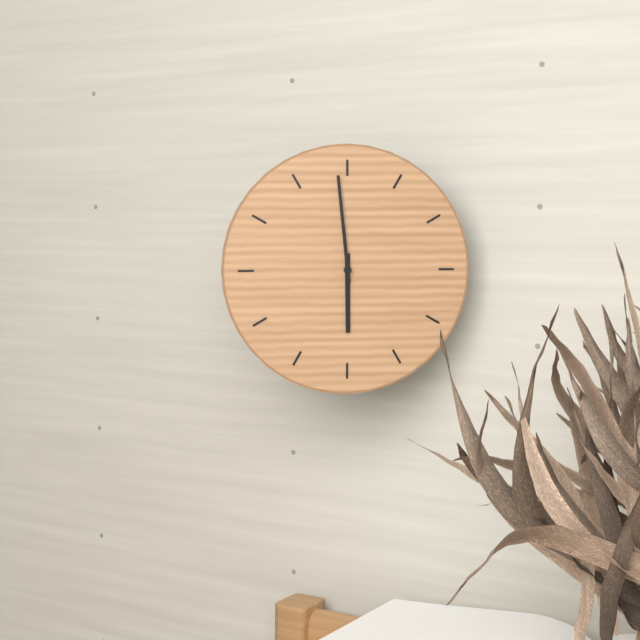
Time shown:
{"hour": 5, "minute": 59}
